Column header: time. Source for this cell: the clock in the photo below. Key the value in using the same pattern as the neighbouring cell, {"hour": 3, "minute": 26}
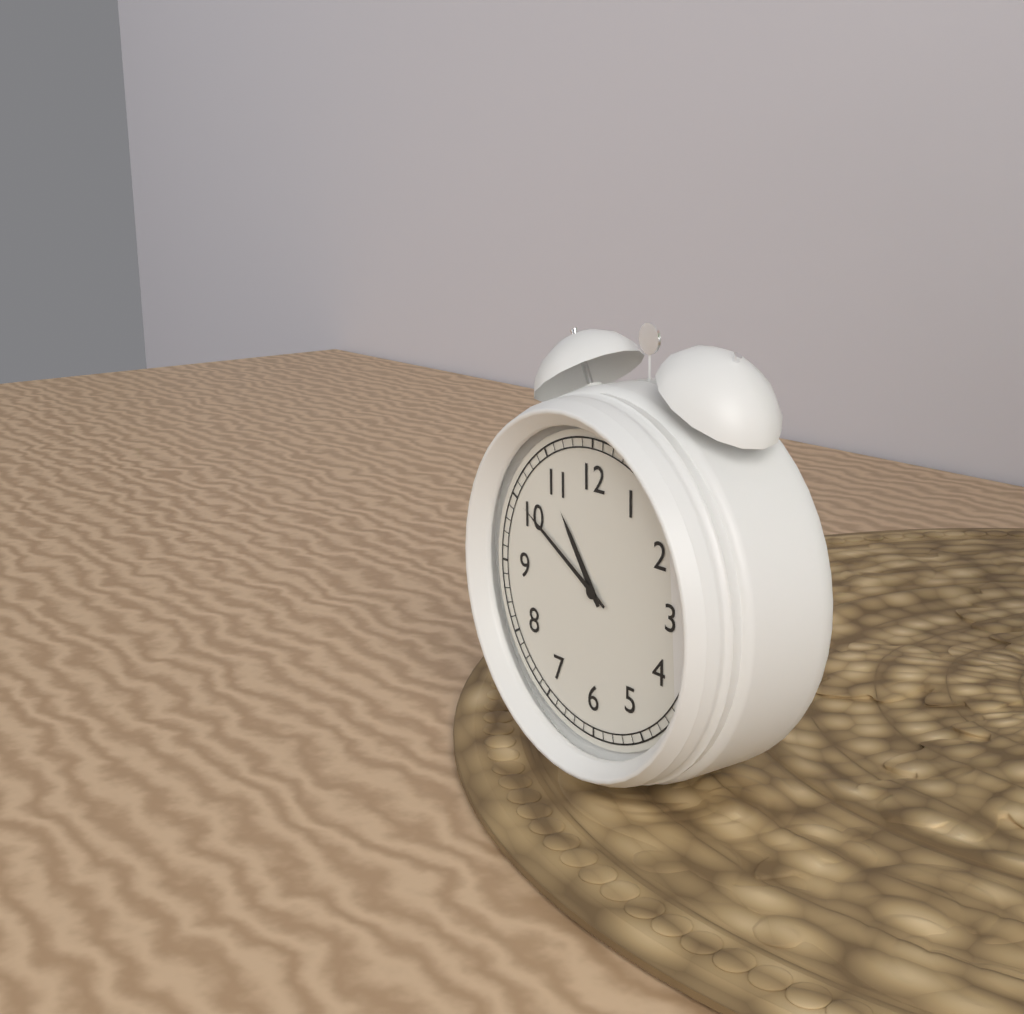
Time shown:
{"hour": 10, "minute": 50}
